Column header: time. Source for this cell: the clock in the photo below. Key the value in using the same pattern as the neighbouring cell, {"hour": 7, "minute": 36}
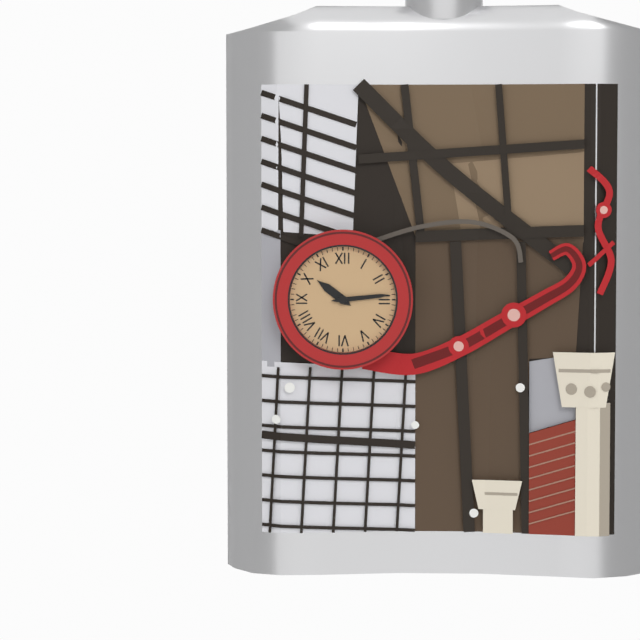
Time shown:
{"hour": 10, "minute": 14}
